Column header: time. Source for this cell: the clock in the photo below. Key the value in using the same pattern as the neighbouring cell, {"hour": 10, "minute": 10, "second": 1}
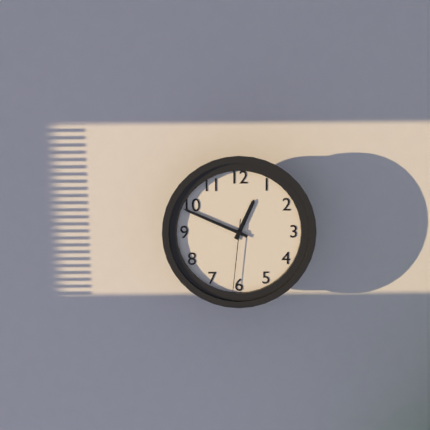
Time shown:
{"hour": 12, "minute": 49, "second": 31}
